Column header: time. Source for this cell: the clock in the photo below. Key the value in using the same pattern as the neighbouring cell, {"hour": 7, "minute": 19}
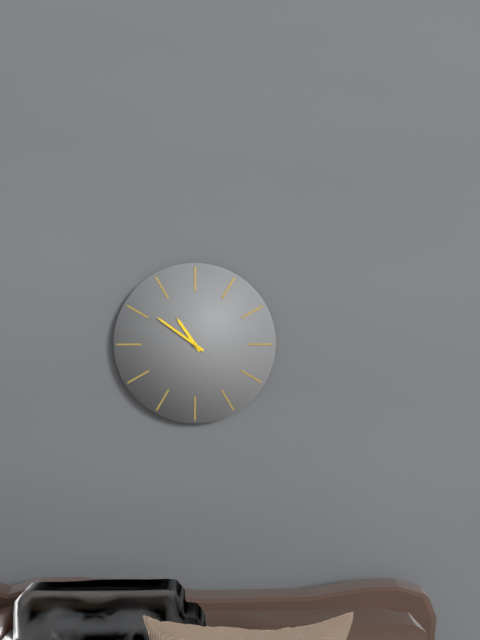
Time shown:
{"hour": 10, "minute": 51}
